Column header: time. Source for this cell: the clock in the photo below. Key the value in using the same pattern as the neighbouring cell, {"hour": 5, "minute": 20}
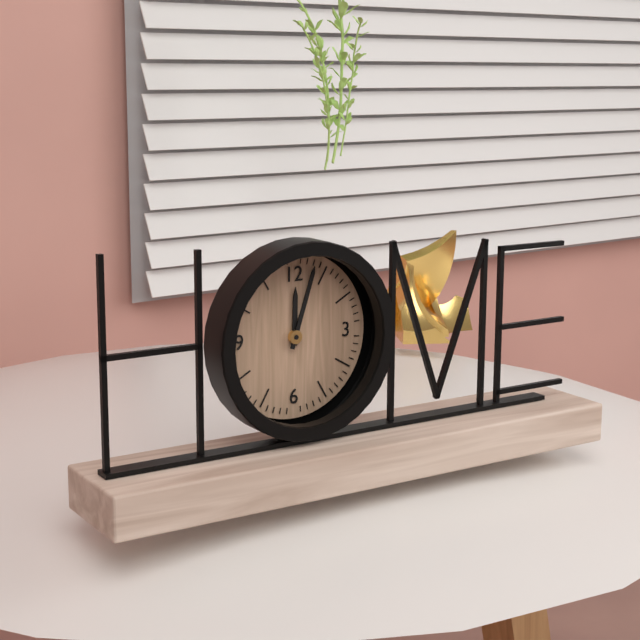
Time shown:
{"hour": 12, "minute": 3}
